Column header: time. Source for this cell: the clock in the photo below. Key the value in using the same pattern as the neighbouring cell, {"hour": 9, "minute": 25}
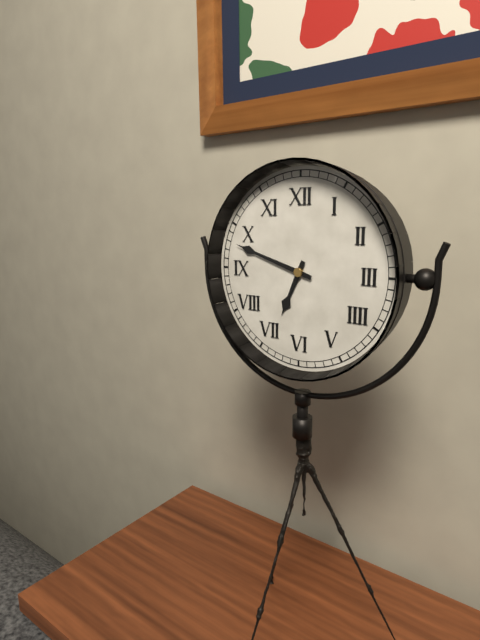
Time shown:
{"hour": 6, "minute": 48}
